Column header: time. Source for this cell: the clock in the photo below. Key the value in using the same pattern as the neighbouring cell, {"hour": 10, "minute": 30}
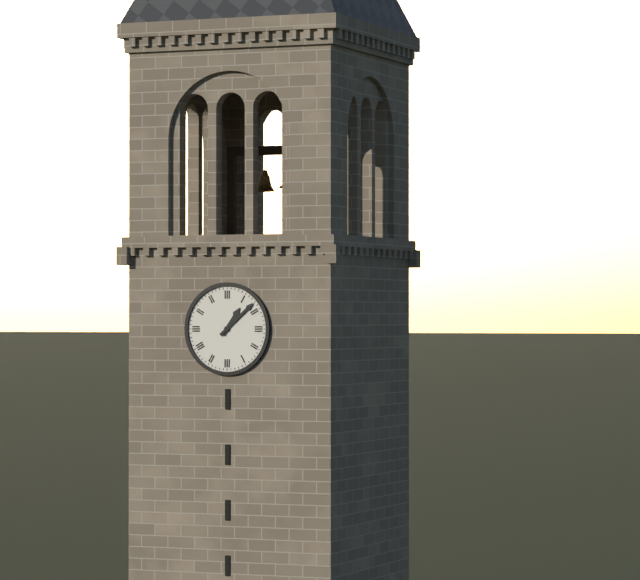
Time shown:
{"hour": 1, "minute": 8}
